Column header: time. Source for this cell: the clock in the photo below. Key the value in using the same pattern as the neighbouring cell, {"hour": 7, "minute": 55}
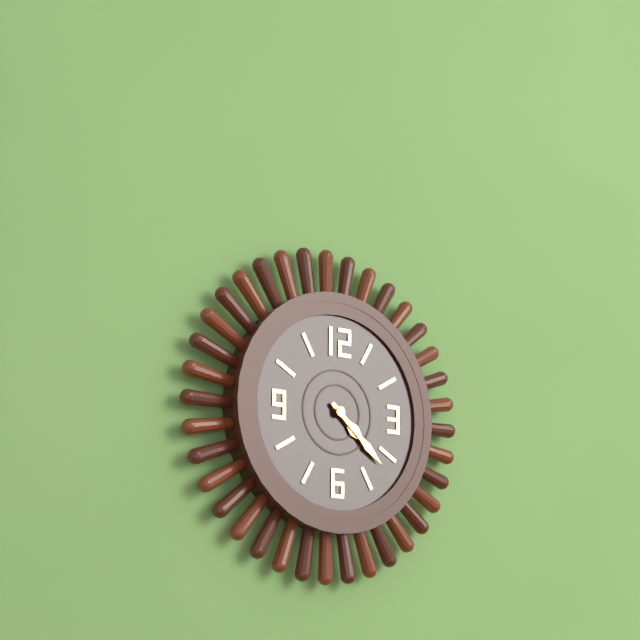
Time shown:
{"hour": 4, "minute": 22}
